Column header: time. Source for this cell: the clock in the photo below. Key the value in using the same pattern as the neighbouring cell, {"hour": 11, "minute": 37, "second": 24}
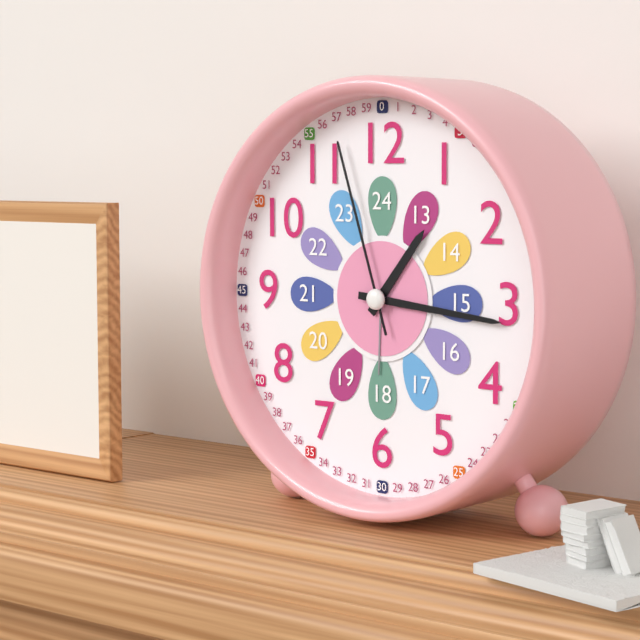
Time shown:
{"hour": 1, "minute": 16, "second": 57}
